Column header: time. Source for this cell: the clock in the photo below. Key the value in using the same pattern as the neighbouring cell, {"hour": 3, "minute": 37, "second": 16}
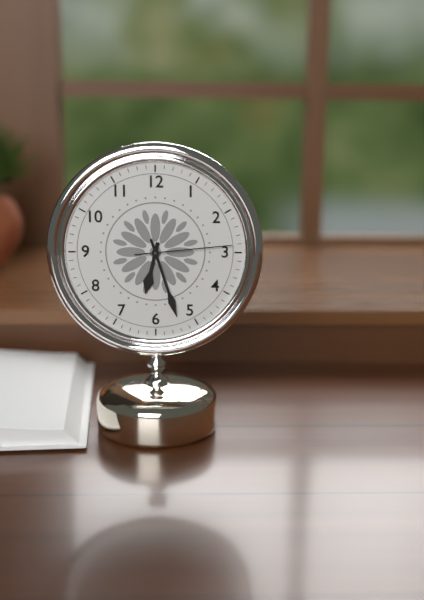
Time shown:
{"hour": 6, "minute": 27, "second": 14}
